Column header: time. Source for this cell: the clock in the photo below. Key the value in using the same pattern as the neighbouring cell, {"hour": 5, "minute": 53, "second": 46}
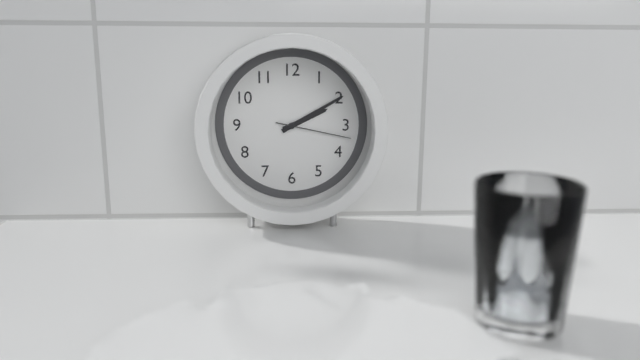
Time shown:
{"hour": 2, "minute": 10, "second": 17}
